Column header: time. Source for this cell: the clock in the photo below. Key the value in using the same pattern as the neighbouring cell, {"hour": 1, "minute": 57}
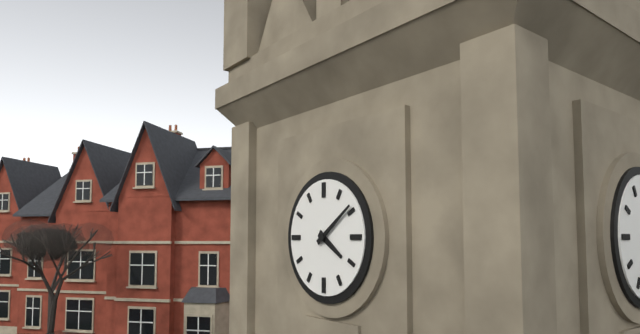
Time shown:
{"hour": 4, "minute": 9}
